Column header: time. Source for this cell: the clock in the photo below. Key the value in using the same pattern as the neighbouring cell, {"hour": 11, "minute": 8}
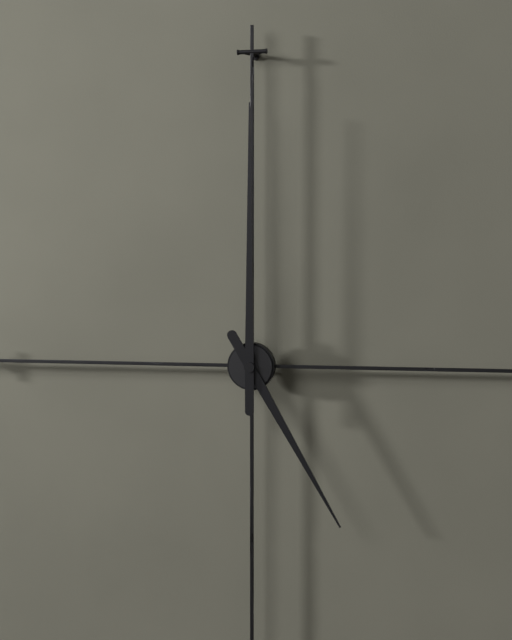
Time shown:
{"hour": 5, "minute": 0}
